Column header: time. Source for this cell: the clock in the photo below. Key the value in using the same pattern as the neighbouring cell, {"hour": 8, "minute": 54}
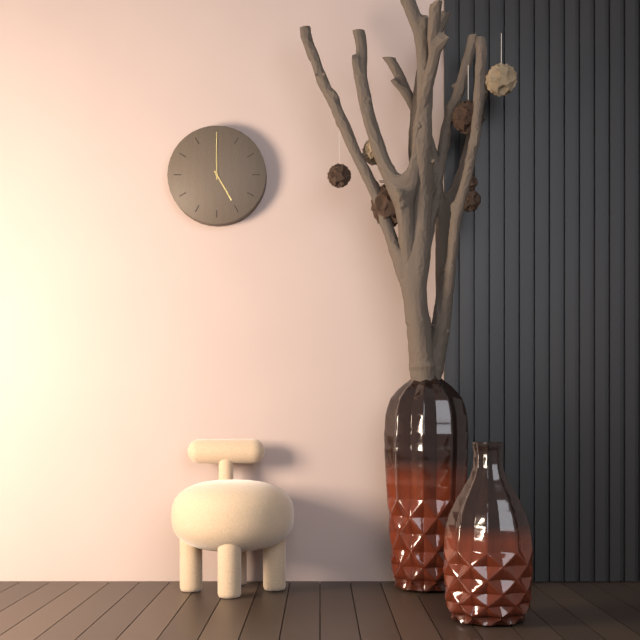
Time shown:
{"hour": 5, "minute": 0}
